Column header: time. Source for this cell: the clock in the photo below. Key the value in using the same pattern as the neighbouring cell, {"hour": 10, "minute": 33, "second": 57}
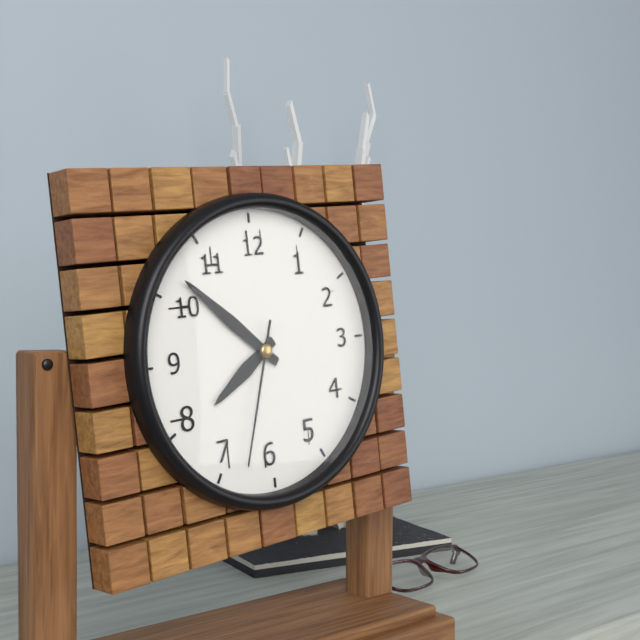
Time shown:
{"hour": 7, "minute": 52, "second": 33}
